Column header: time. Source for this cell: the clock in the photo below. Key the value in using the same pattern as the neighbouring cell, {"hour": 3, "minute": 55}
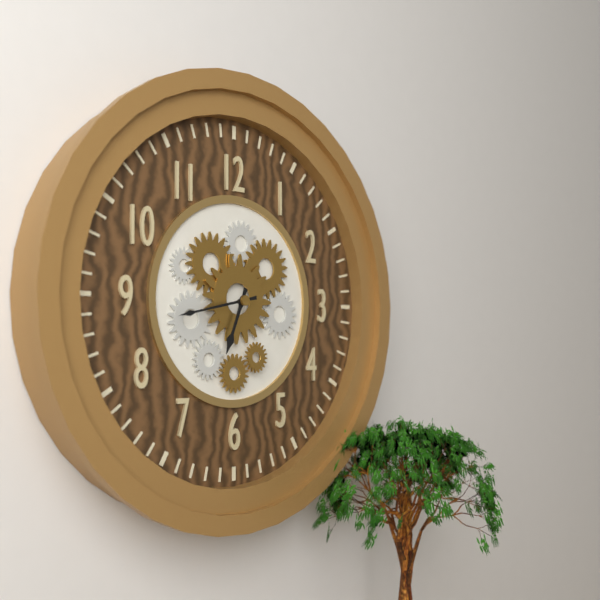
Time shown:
{"hour": 6, "minute": 43}
